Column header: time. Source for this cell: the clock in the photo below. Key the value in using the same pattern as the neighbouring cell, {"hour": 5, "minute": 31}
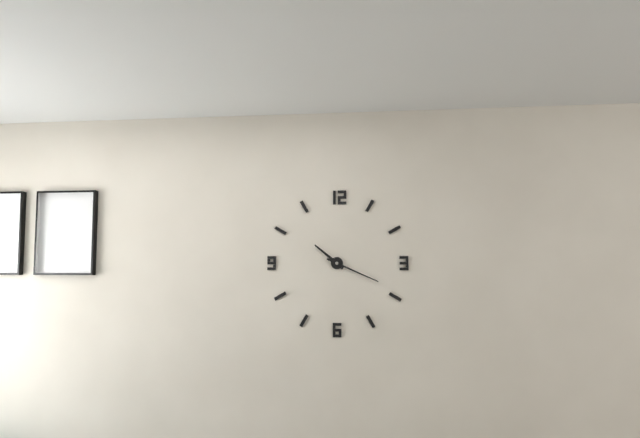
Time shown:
{"hour": 10, "minute": 19}
